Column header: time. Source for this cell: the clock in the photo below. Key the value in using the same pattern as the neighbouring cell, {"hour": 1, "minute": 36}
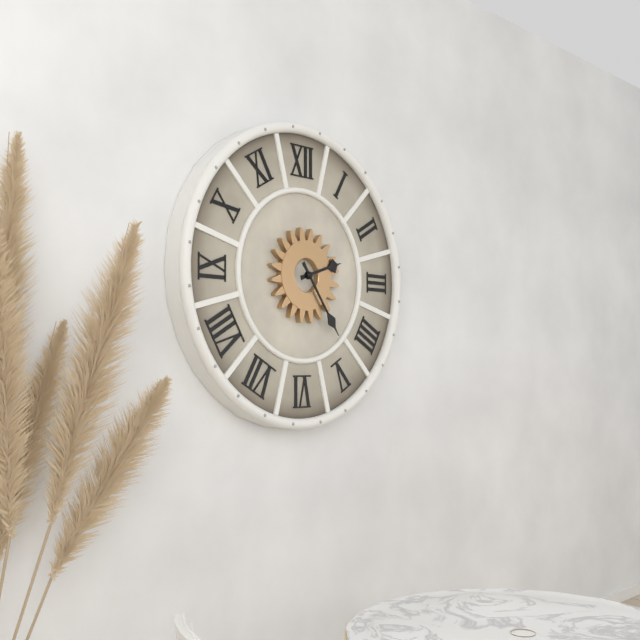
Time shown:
{"hour": 2, "minute": 24}
